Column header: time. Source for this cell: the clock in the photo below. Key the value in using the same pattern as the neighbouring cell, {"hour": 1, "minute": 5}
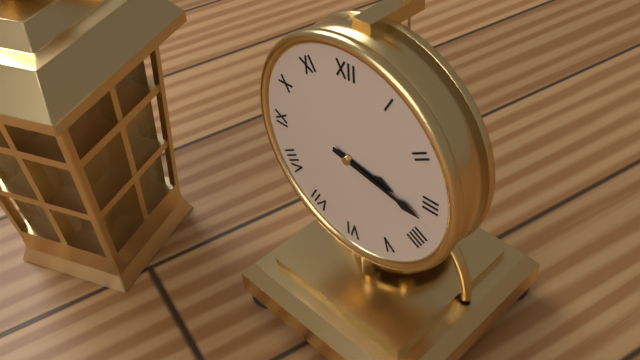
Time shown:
{"hour": 3, "minute": 17}
